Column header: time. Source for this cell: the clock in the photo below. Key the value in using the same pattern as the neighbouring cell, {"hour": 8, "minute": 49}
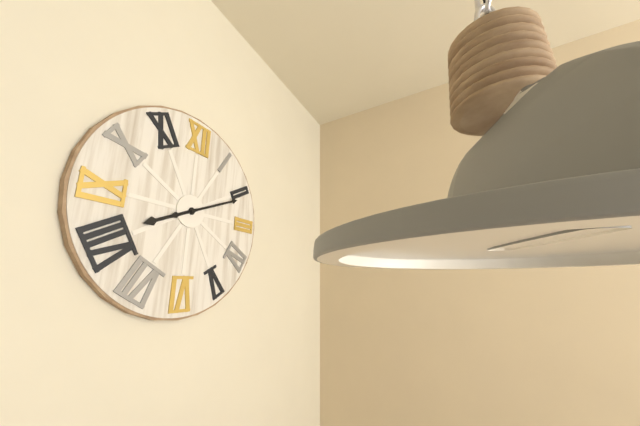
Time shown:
{"hour": 8, "minute": 11}
